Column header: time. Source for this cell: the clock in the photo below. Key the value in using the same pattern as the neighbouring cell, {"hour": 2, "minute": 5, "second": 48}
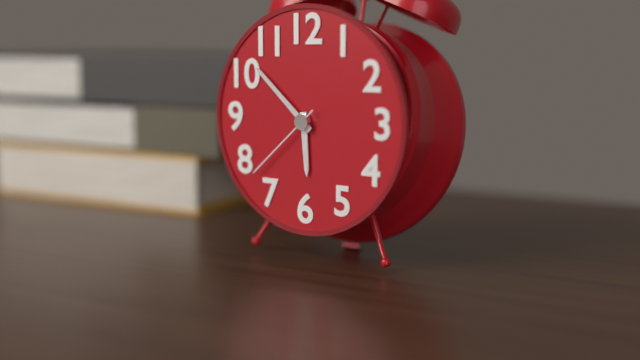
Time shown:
{"hour": 5, "minute": 52, "second": 38}
